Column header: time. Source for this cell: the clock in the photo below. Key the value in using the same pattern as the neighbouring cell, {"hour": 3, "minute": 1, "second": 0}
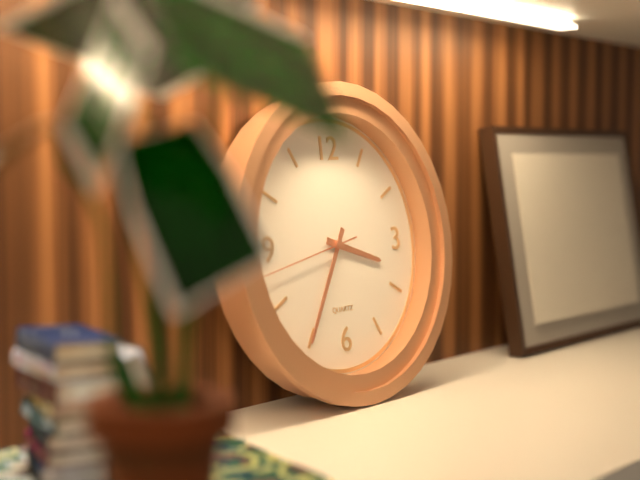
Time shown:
{"hour": 3, "minute": 35, "second": 43}
